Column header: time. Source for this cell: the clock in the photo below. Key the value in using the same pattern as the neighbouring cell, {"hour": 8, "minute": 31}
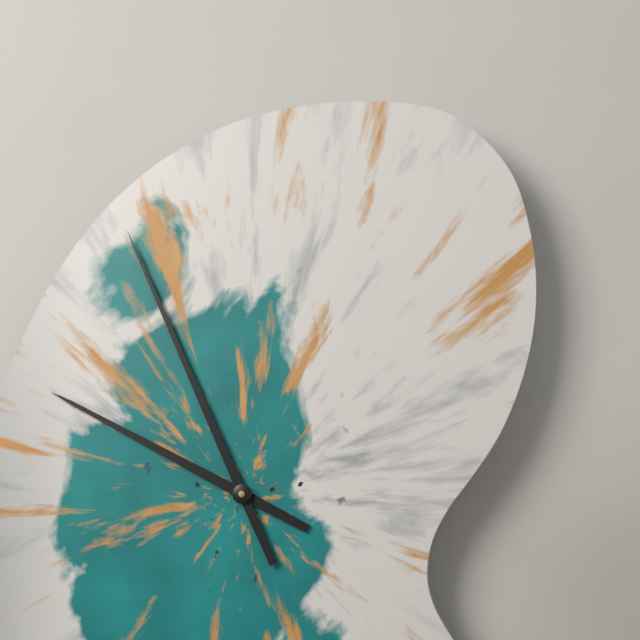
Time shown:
{"hour": 9, "minute": 56}
